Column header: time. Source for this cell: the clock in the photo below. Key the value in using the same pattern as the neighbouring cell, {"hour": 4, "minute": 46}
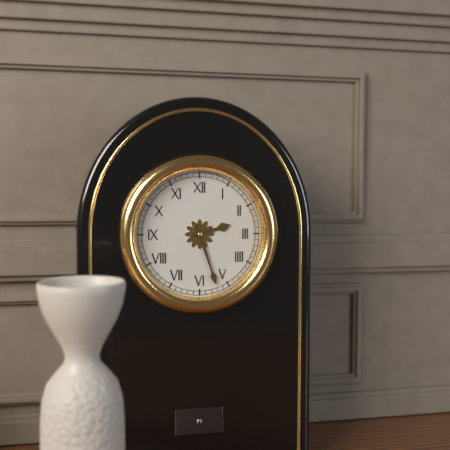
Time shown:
{"hour": 2, "minute": 27}
